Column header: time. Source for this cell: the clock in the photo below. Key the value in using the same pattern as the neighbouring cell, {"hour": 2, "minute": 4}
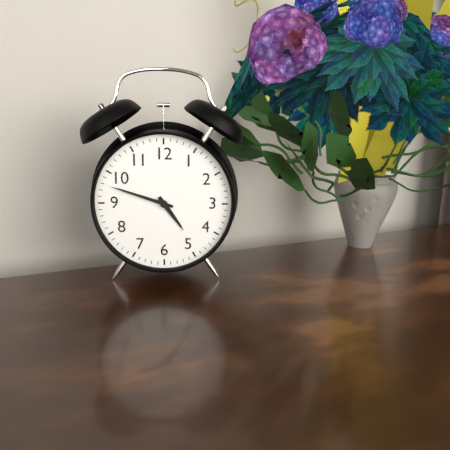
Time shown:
{"hour": 4, "minute": 48}
